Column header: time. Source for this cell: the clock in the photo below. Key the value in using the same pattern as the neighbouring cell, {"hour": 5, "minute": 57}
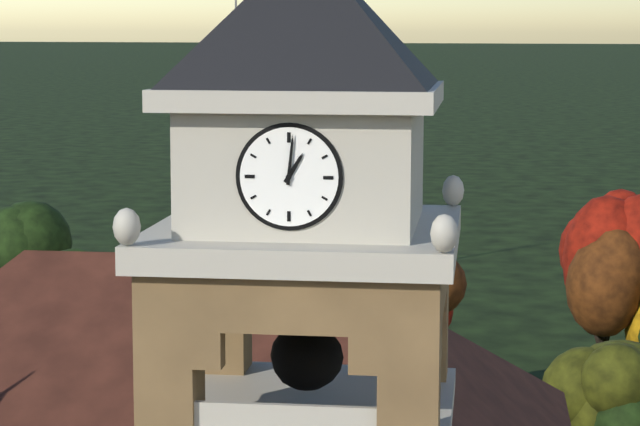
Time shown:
{"hour": 1, "minute": 1}
